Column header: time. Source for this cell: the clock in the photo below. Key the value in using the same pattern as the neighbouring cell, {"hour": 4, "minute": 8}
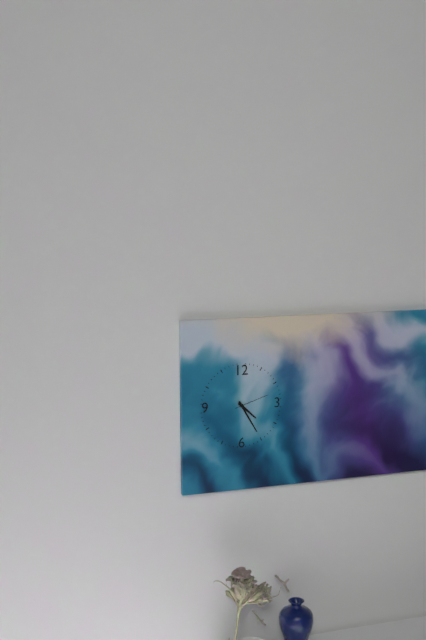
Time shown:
{"hour": 4, "minute": 25}
